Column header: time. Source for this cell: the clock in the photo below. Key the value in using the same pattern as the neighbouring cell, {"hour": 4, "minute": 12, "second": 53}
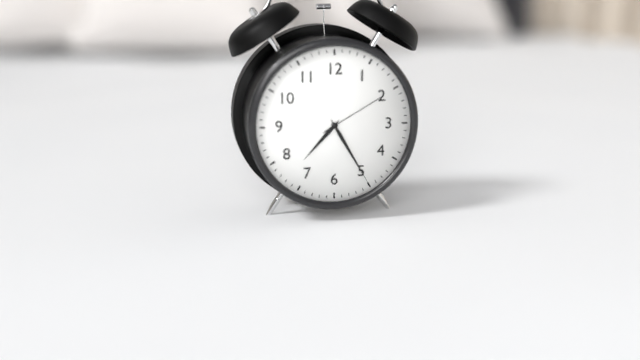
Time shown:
{"hour": 7, "minute": 25, "second": 10}
